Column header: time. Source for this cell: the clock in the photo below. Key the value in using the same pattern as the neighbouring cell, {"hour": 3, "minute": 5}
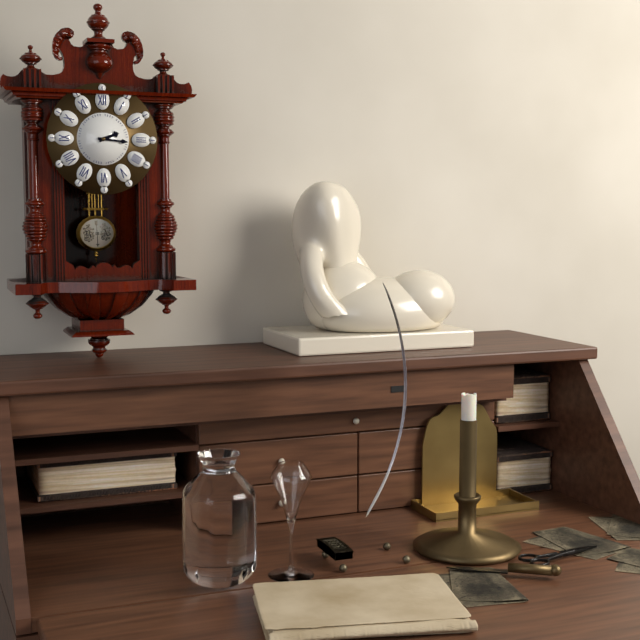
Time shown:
{"hour": 2, "minute": 16}
